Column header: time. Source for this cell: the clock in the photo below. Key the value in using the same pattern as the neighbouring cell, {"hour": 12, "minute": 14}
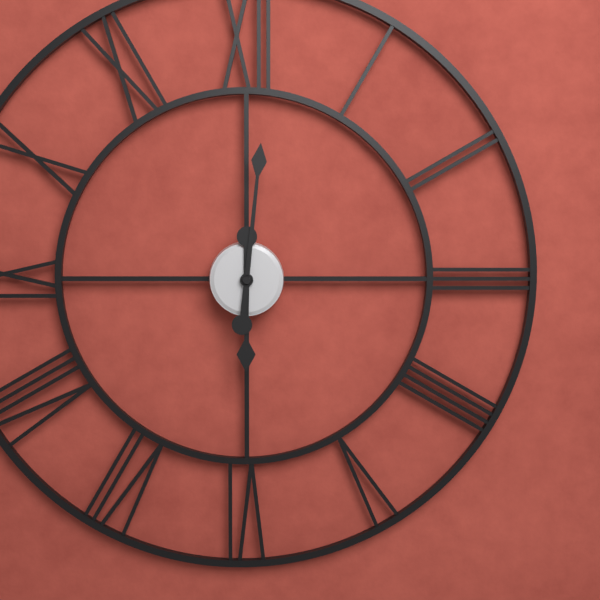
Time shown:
{"hour": 6, "minute": 1}
